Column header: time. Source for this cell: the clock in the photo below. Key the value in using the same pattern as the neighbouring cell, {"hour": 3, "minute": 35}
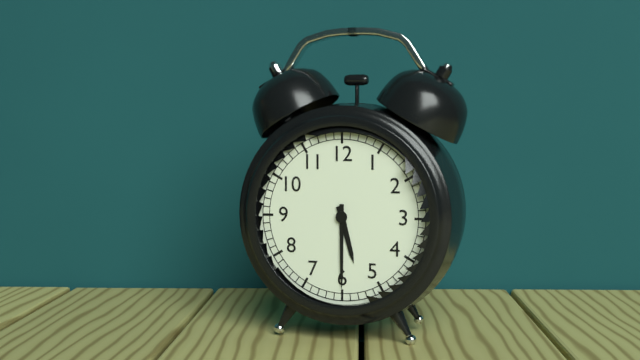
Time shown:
{"hour": 5, "minute": 30}
